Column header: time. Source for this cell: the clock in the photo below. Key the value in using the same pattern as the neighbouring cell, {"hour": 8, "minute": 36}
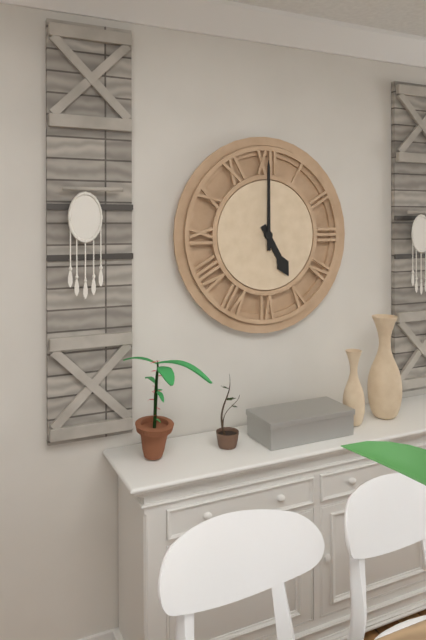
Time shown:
{"hour": 5, "minute": 0}
